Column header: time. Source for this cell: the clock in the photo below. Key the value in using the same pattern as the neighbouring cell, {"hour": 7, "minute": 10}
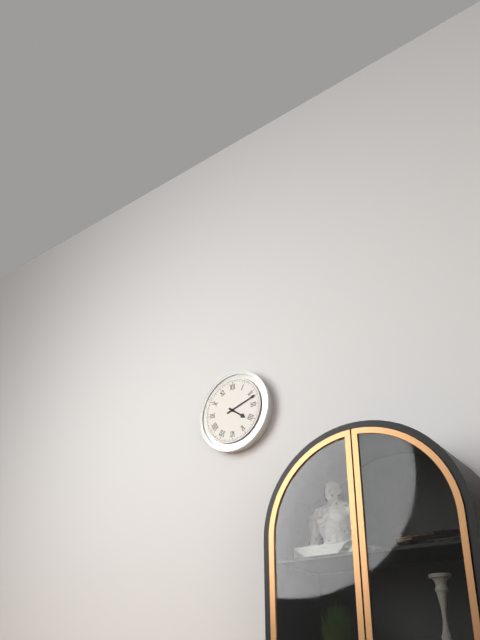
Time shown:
{"hour": 4, "minute": 12}
